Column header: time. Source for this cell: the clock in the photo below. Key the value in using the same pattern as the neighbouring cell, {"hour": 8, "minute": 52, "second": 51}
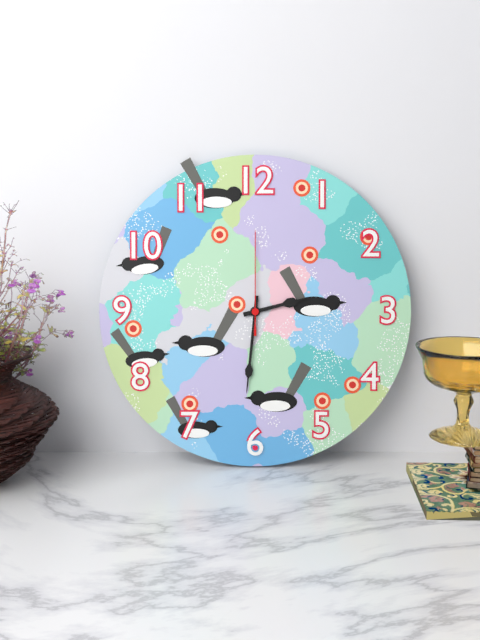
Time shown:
{"hour": 2, "minute": 31, "second": 0}
